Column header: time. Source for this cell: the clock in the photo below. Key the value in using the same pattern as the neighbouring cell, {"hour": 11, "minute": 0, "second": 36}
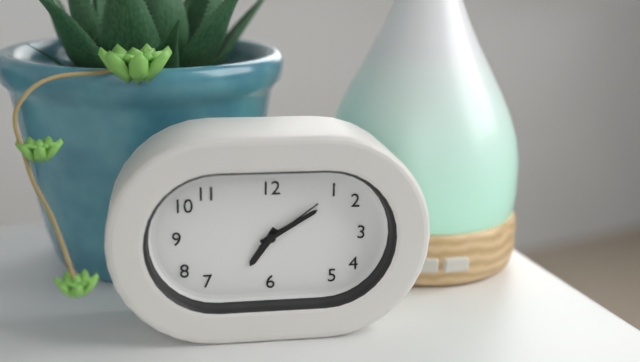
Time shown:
{"hour": 7, "minute": 10, "second": 9}
